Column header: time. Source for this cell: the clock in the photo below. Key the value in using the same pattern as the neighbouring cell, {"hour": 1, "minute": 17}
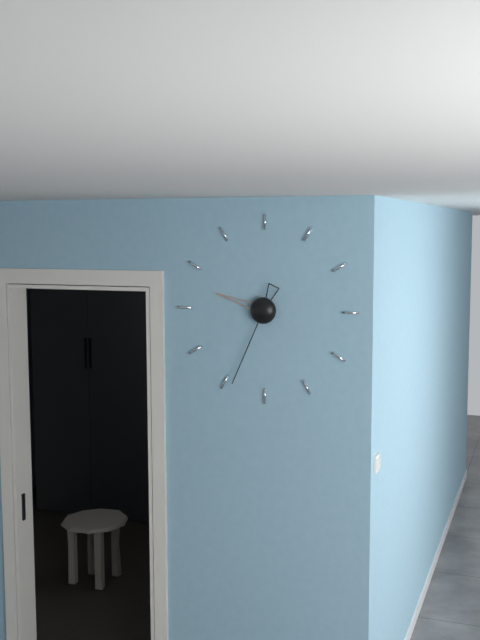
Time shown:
{"hour": 9, "minute": 34}
